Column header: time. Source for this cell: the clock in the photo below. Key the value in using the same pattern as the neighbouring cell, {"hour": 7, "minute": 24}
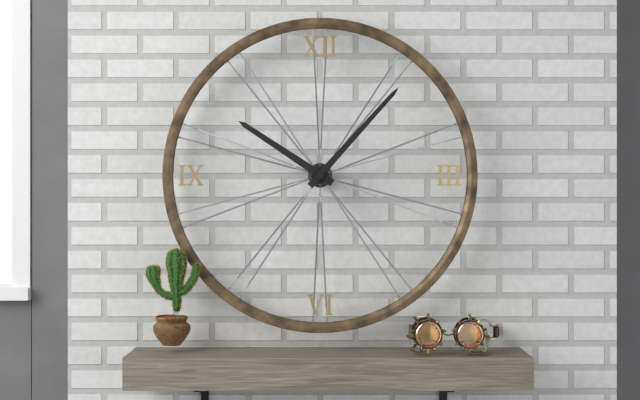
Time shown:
{"hour": 10, "minute": 7}
